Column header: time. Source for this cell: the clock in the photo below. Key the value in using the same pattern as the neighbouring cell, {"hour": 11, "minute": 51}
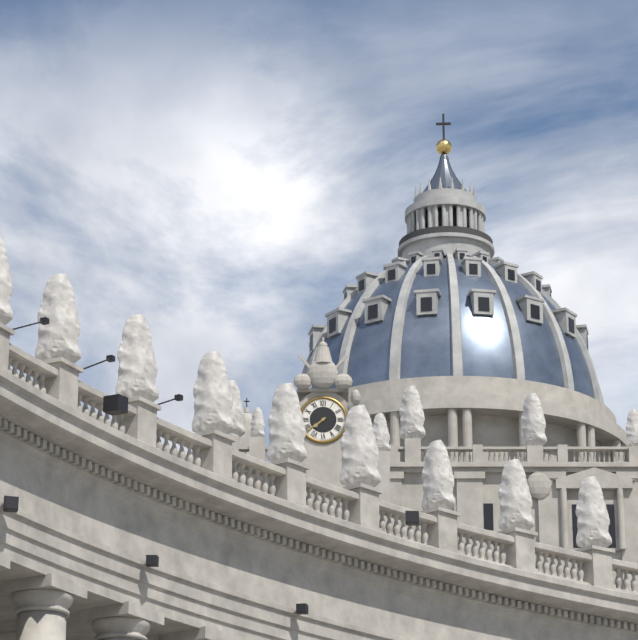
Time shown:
{"hour": 7, "minute": 39}
